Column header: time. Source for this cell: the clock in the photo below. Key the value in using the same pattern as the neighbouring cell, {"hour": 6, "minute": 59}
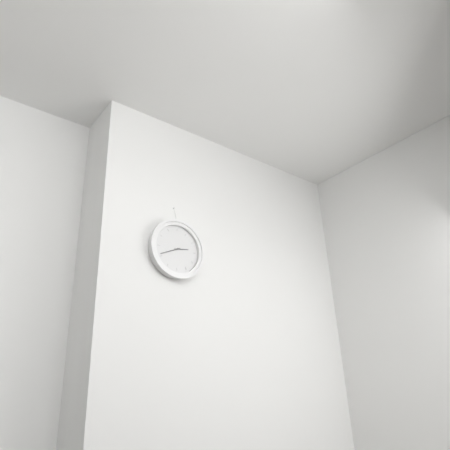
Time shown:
{"hour": 2, "minute": 41}
